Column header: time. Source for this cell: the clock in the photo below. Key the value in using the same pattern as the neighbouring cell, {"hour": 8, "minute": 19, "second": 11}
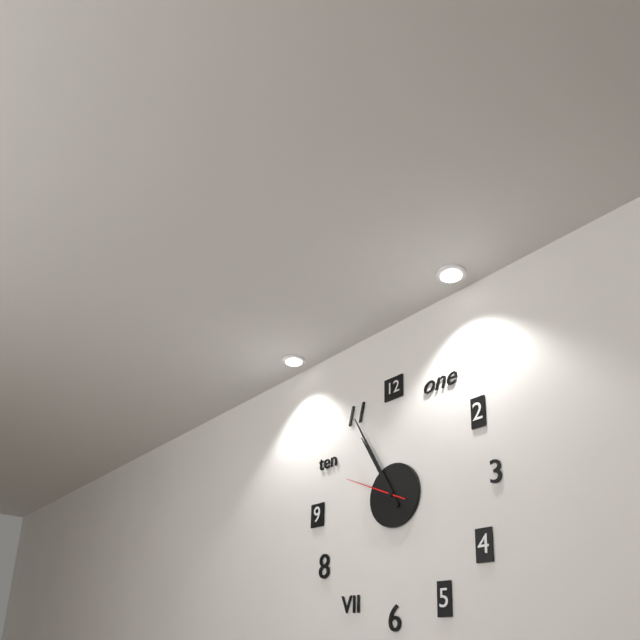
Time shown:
{"hour": 10, "minute": 55, "second": 49}
